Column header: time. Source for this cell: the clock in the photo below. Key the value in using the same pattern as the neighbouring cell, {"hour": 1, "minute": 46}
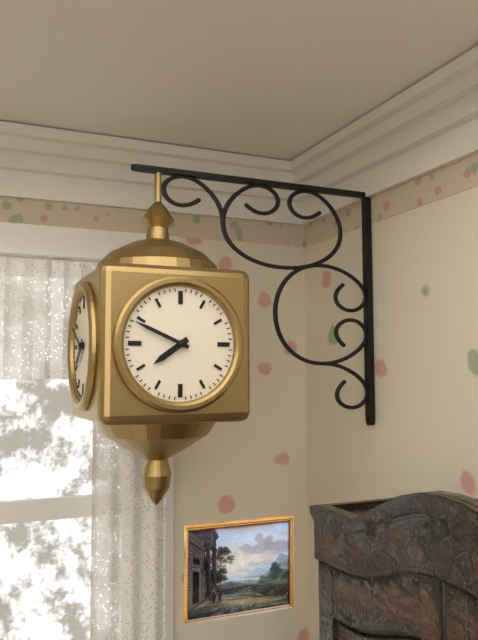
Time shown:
{"hour": 7, "minute": 49}
